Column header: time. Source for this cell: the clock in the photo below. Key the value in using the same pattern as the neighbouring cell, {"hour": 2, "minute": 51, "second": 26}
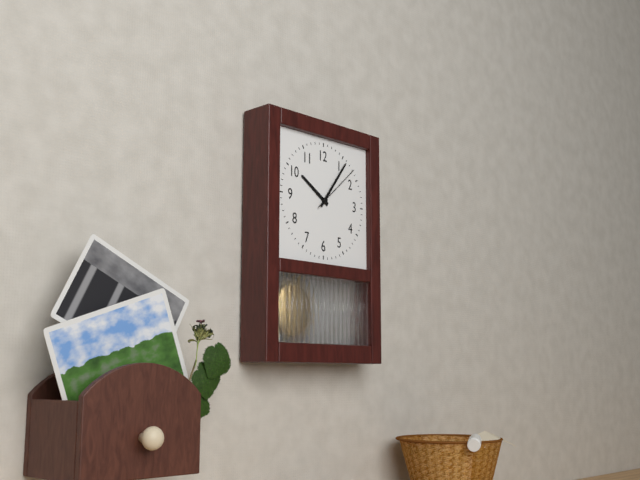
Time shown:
{"hour": 10, "minute": 6, "second": 8}
